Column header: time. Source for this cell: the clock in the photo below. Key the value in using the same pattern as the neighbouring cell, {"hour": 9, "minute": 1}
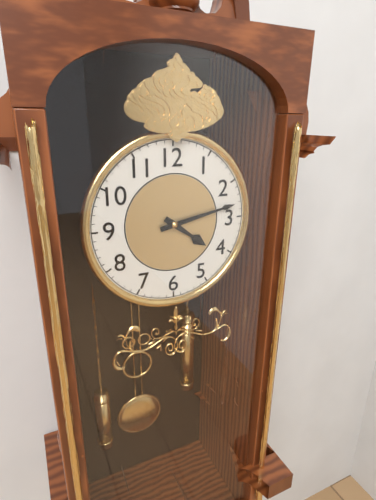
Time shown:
{"hour": 4, "minute": 13}
